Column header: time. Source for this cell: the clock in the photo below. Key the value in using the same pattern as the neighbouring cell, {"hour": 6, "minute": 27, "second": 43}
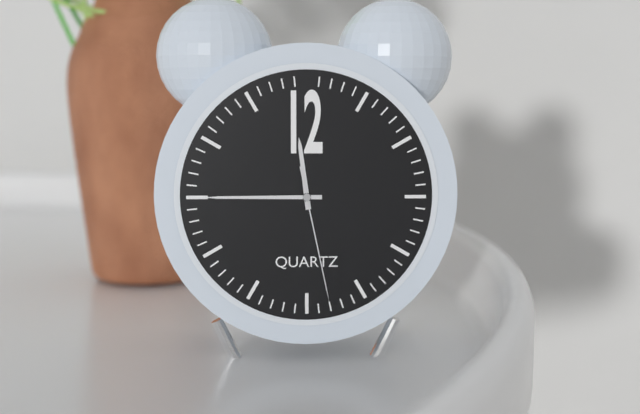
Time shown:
{"hour": 11, "minute": 45, "second": 28}
